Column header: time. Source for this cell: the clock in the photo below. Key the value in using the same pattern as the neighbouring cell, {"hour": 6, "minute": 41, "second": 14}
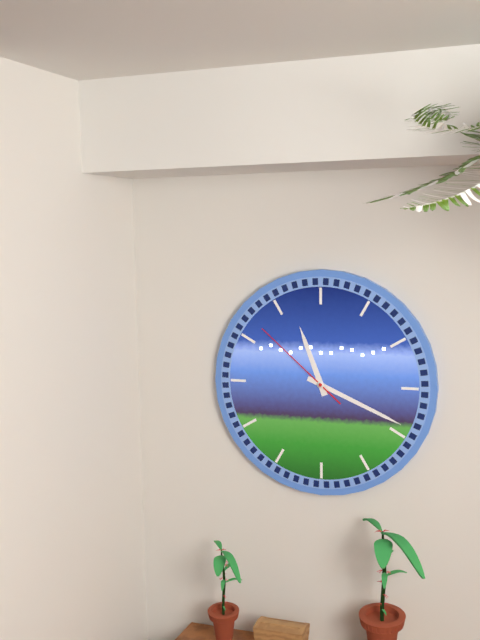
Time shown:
{"hour": 11, "minute": 19, "second": 52}
